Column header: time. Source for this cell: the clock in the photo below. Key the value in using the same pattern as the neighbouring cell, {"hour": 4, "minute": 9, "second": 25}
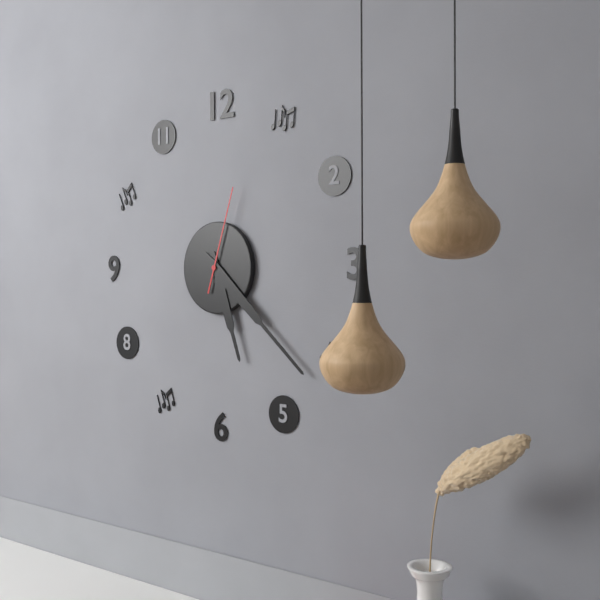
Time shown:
{"hour": 5, "minute": 22, "second": 3}
